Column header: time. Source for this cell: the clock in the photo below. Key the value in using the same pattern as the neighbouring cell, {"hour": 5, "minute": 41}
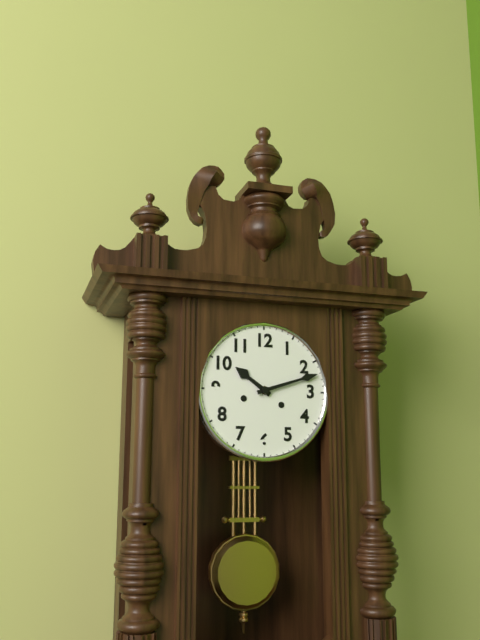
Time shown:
{"hour": 10, "minute": 12}
